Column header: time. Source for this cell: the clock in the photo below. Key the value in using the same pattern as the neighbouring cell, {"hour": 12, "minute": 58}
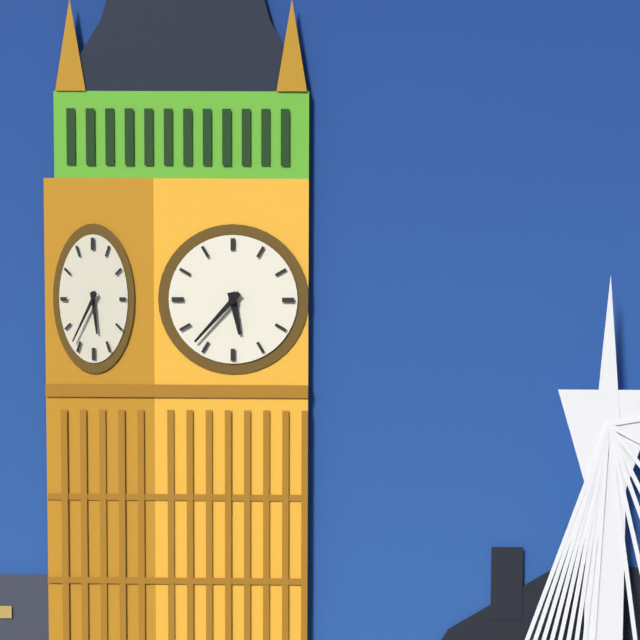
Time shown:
{"hour": 5, "minute": 37}
